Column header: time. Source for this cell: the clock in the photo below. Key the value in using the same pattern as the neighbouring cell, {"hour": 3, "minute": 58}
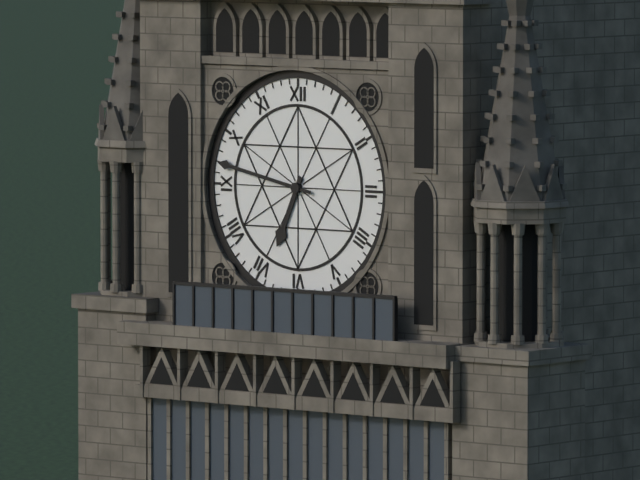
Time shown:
{"hour": 6, "minute": 47}
